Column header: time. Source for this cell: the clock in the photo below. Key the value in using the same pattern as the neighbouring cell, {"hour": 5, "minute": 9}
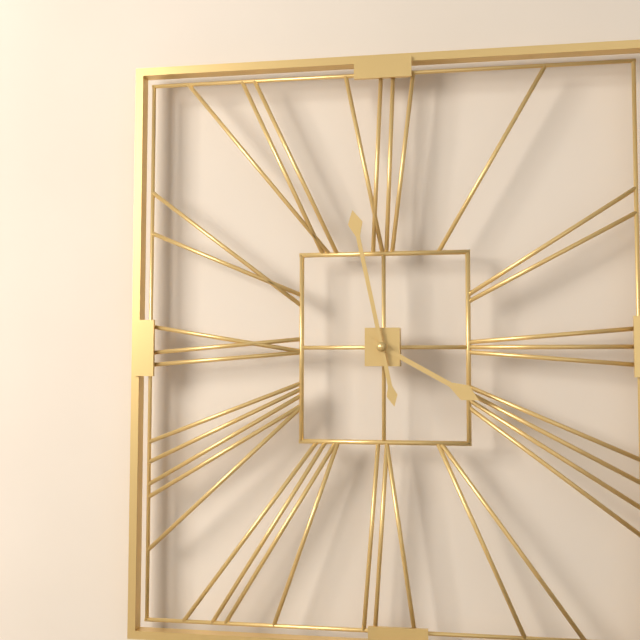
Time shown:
{"hour": 3, "minute": 58}
